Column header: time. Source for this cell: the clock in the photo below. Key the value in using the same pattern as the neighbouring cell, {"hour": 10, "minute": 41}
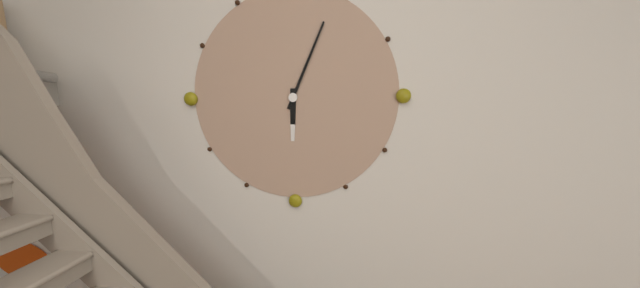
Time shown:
{"hour": 6, "minute": 4}
